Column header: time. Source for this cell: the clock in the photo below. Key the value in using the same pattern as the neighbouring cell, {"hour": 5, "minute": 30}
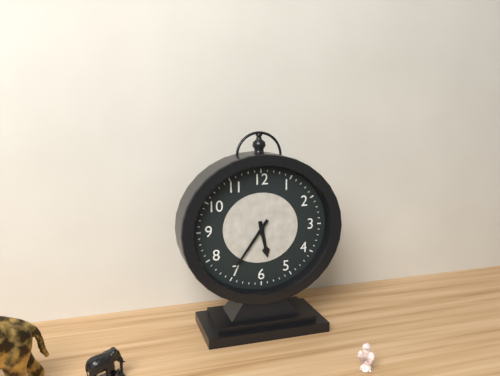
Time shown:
{"hour": 5, "minute": 36}
